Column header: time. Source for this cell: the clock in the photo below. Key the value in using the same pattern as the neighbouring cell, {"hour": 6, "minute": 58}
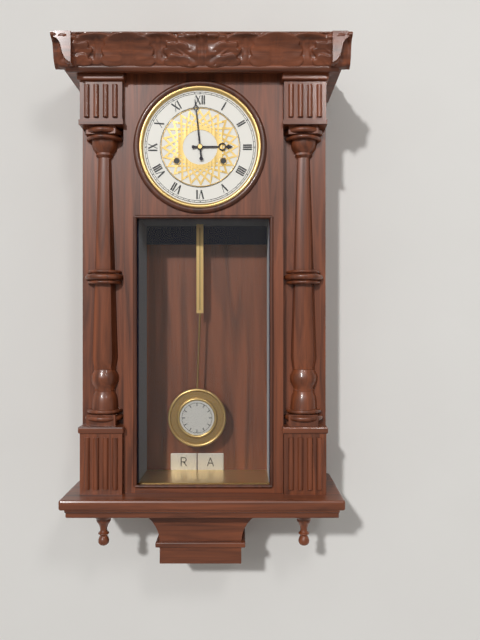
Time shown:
{"hour": 2, "minute": 59}
